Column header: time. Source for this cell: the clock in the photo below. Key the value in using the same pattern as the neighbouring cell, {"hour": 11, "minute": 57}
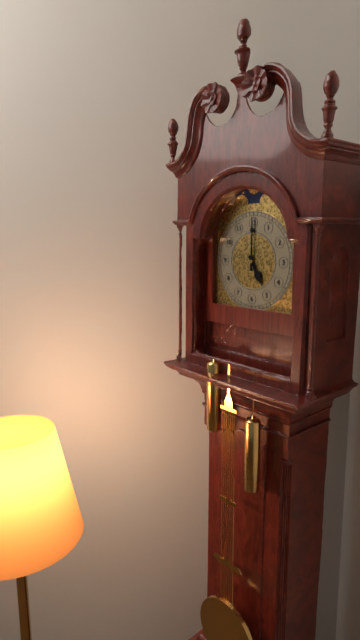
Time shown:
{"hour": 5, "minute": 0}
